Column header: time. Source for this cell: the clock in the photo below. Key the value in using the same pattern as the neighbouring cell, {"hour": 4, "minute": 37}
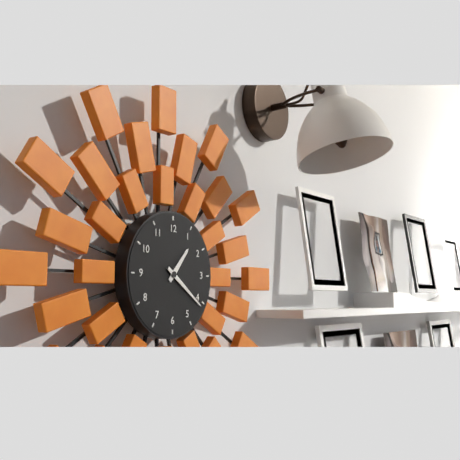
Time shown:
{"hour": 1, "minute": 21}
